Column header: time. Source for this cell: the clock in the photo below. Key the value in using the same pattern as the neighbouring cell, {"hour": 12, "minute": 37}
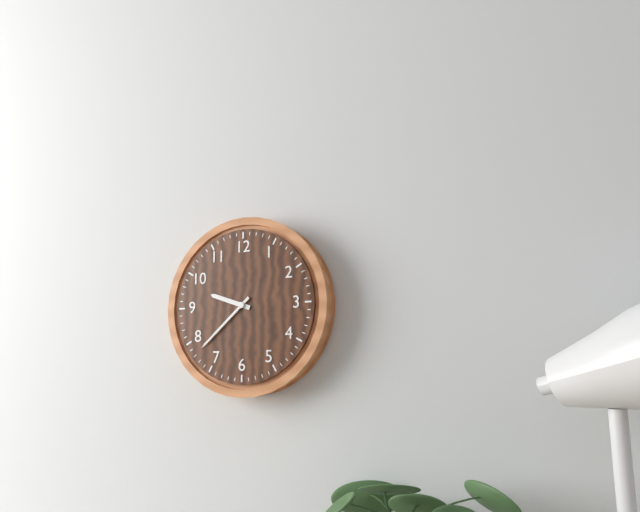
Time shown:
{"hour": 9, "minute": 38}
